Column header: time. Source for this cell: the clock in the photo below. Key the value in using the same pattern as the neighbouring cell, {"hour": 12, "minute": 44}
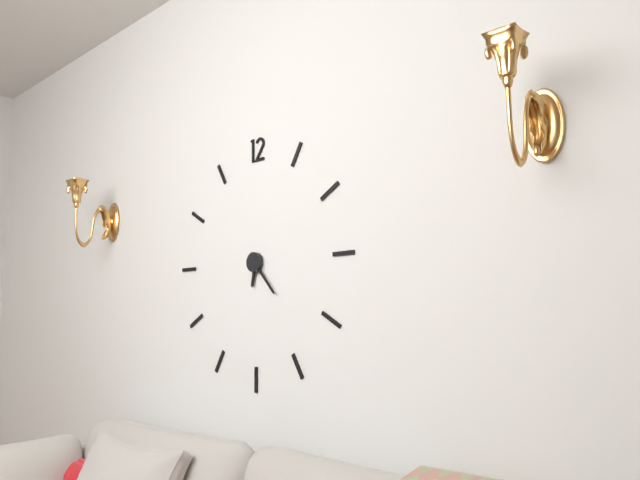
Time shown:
{"hour": 6, "minute": 23}
